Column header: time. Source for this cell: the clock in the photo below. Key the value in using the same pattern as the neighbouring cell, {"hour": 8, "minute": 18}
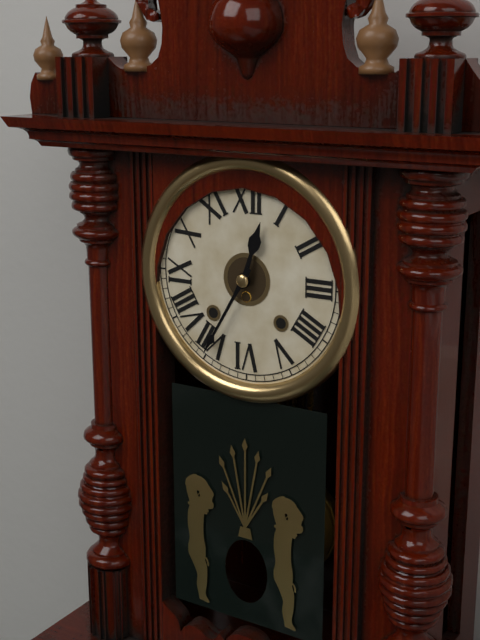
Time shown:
{"hour": 12, "minute": 35}
